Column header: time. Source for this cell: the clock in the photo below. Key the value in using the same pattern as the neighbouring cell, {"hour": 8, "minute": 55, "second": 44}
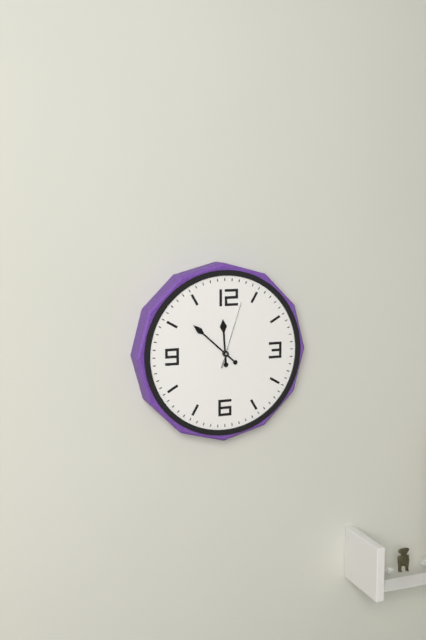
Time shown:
{"hour": 11, "minute": 52, "second": 3}
